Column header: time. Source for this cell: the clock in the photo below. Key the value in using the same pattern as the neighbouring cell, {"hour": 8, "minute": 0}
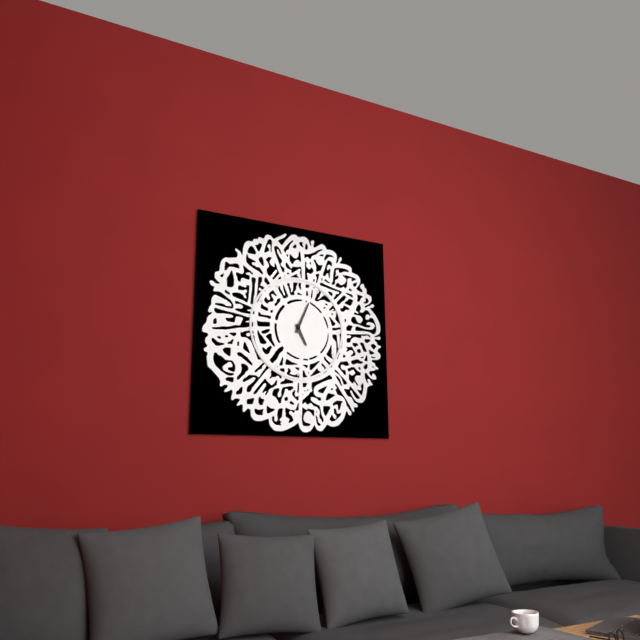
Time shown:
{"hour": 5, "minute": 4}
